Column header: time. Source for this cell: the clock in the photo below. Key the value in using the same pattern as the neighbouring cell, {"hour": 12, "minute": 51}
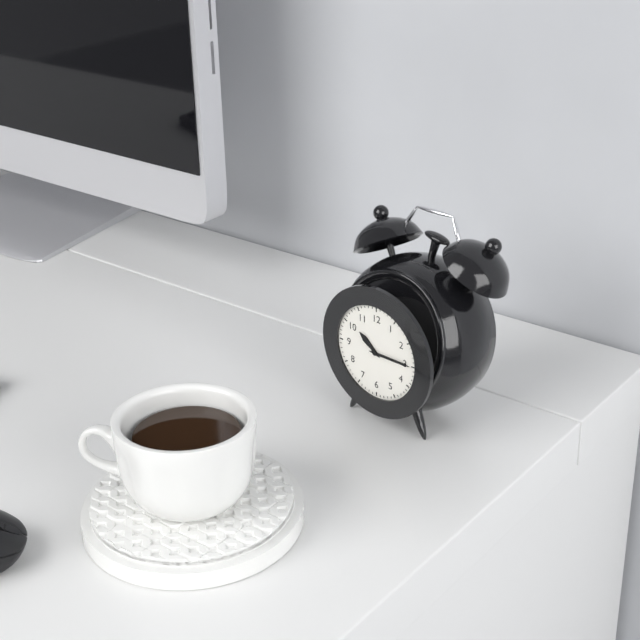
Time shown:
{"hour": 10, "minute": 15}
